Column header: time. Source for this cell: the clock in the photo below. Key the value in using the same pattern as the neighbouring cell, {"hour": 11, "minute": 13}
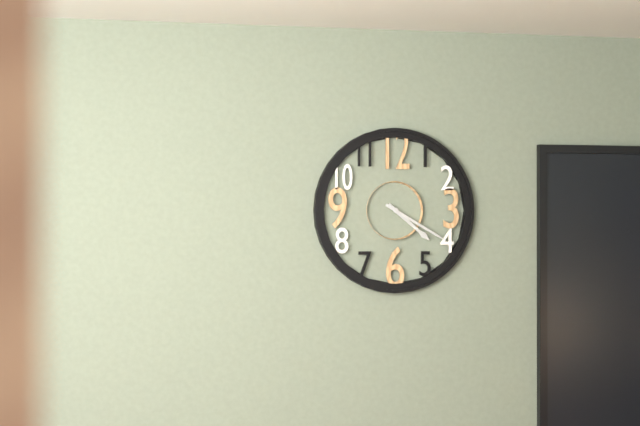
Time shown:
{"hour": 4, "minute": 20}
